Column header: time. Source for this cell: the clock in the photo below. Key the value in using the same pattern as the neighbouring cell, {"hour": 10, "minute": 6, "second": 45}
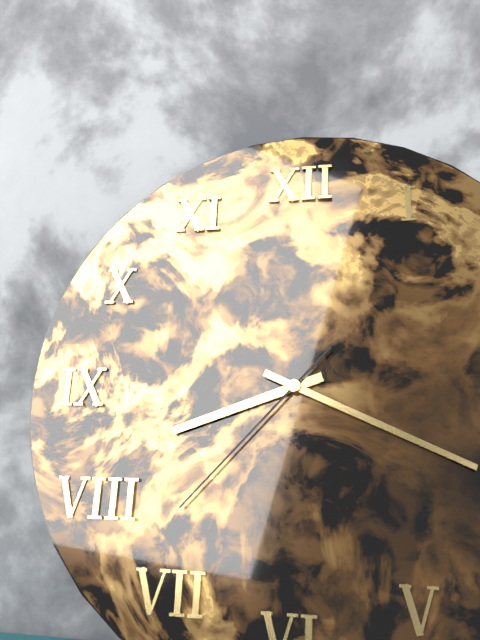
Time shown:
{"hour": 8, "minute": 19, "second": 37}
